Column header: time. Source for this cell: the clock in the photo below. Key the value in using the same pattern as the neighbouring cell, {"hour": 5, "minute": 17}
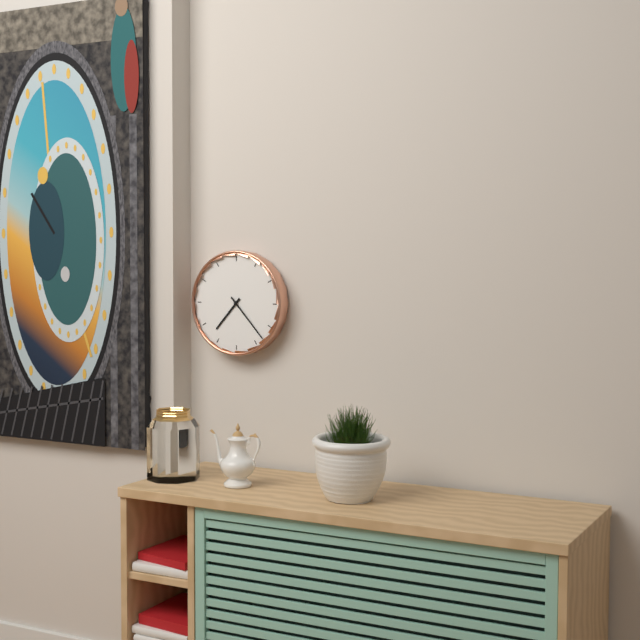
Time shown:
{"hour": 7, "minute": 23}
